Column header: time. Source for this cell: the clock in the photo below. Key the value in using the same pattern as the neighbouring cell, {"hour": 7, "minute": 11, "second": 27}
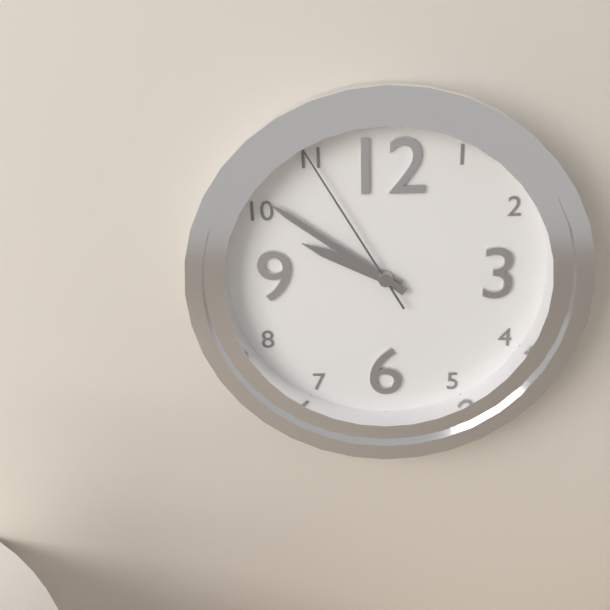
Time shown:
{"hour": 9, "minute": 51, "second": 55}
